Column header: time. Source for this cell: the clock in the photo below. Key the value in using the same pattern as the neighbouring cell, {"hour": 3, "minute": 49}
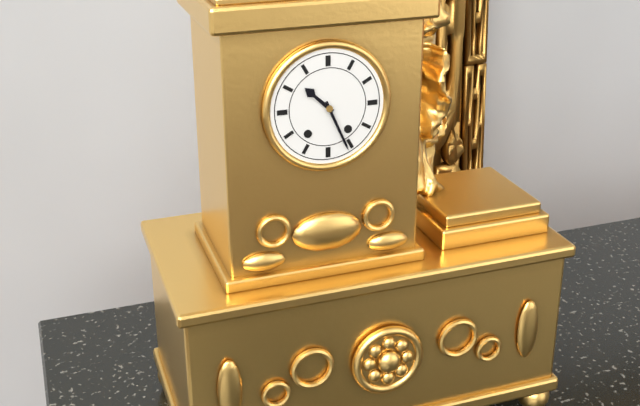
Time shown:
{"hour": 10, "minute": 26}
